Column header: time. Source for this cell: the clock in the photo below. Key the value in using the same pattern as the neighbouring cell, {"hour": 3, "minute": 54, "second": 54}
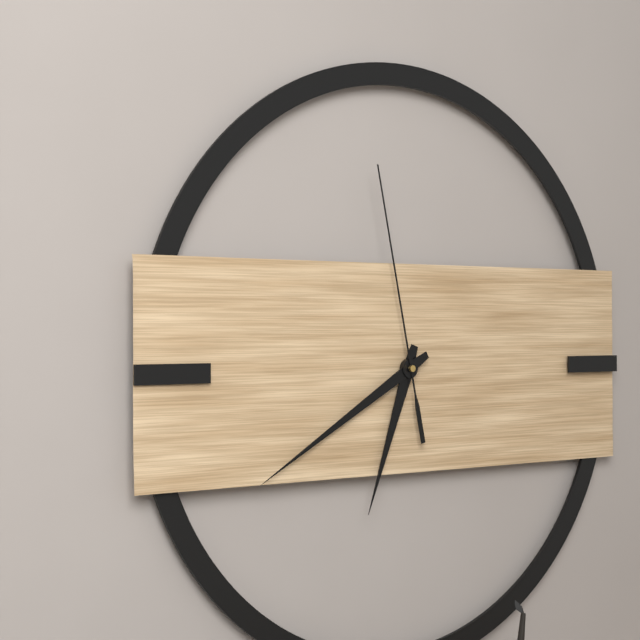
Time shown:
{"hour": 6, "minute": 40, "second": 58}
